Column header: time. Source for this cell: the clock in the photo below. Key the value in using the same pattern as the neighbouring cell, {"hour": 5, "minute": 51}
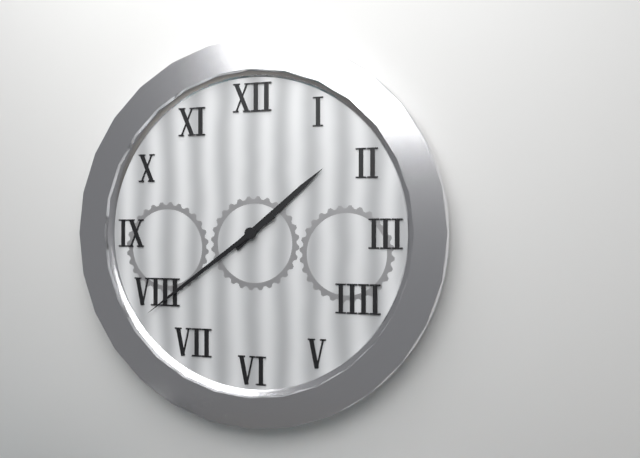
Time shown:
{"hour": 1, "minute": 39}
